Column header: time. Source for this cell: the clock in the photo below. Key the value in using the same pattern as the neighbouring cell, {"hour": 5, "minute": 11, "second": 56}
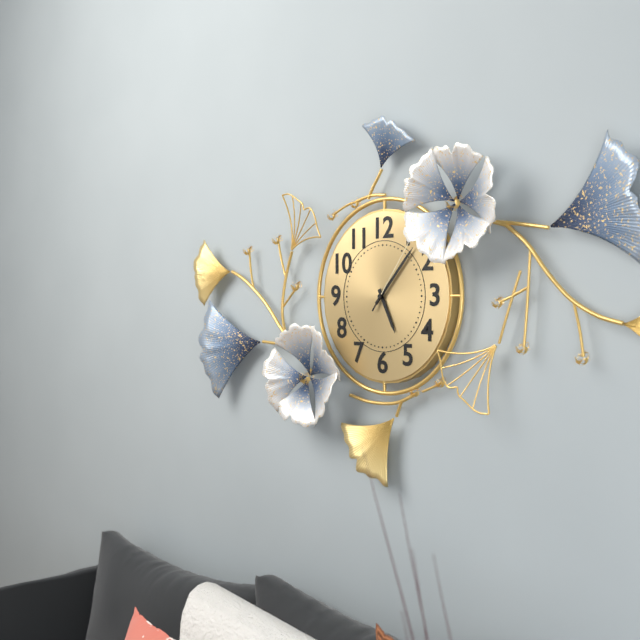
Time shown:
{"hour": 5, "minute": 7, "second": 6}
